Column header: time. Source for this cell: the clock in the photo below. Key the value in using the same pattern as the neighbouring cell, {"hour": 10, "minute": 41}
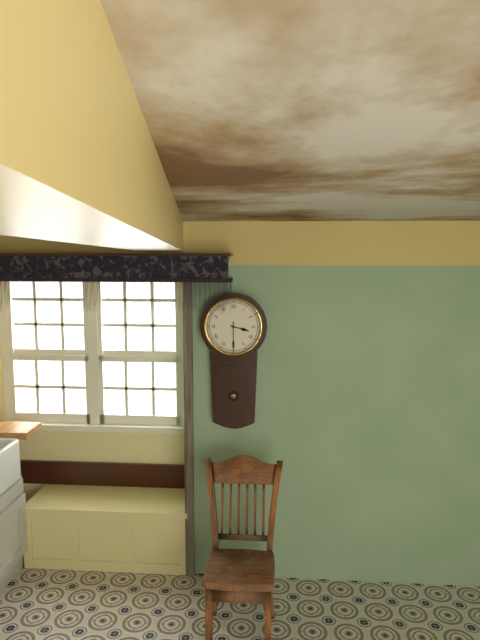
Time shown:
{"hour": 3, "minute": 30}
